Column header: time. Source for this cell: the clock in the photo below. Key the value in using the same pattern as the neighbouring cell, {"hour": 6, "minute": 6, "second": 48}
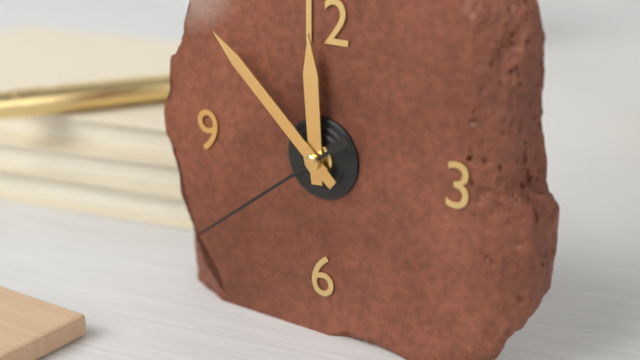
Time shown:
{"hour": 11, "minute": 52, "second": 39}
